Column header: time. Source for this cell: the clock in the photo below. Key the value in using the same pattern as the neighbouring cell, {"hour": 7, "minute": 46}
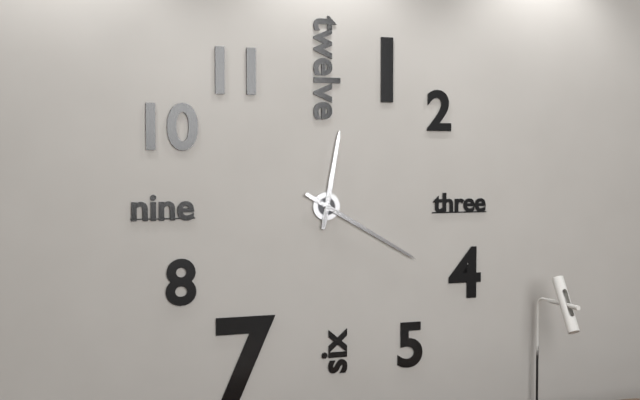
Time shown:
{"hour": 12, "minute": 20}
